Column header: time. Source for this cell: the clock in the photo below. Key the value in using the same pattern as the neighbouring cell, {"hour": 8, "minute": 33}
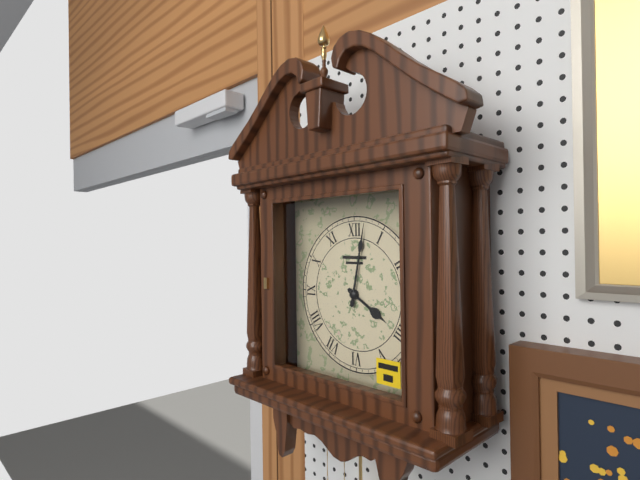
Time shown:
{"hour": 4, "minute": 2}
